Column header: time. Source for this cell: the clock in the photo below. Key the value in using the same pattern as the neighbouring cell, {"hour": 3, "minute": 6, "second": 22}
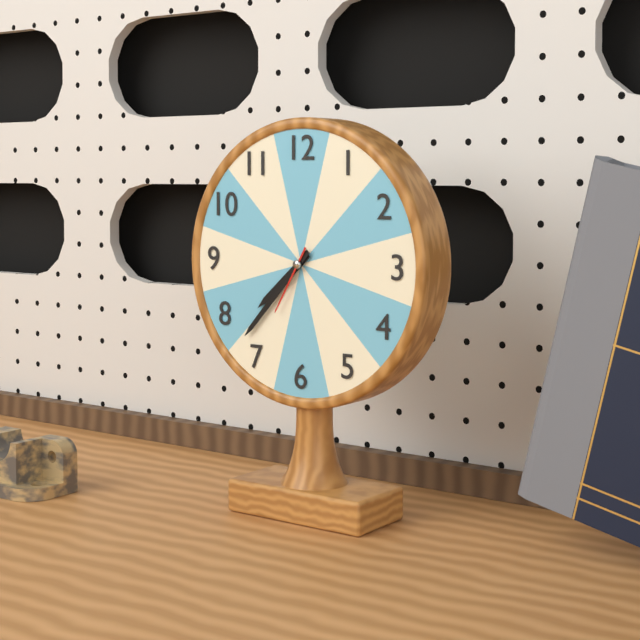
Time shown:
{"hour": 7, "minute": 37, "second": 35}
